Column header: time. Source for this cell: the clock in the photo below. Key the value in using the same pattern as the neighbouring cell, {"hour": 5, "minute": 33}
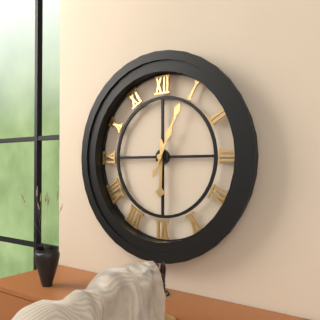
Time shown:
{"hour": 6, "minute": 4}
